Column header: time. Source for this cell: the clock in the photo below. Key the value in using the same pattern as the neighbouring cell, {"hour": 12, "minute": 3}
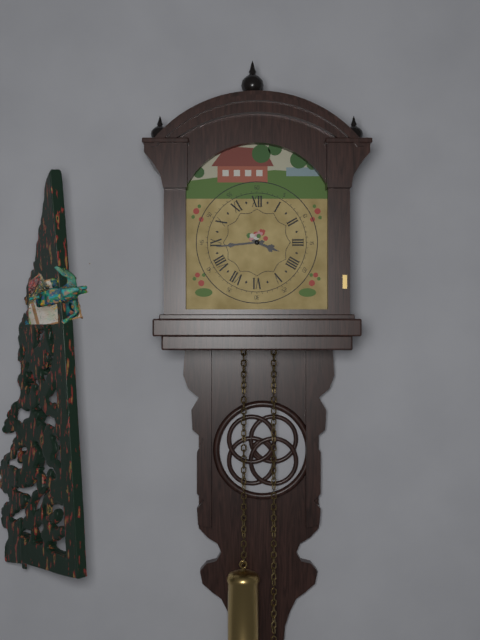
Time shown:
{"hour": 3, "minute": 44}
